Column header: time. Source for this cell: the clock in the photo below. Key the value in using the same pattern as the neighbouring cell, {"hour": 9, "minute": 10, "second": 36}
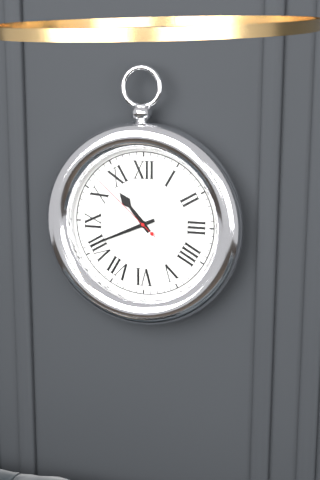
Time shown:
{"hour": 10, "minute": 41, "second": 52}
